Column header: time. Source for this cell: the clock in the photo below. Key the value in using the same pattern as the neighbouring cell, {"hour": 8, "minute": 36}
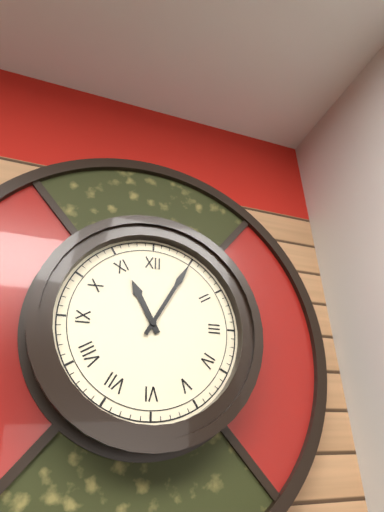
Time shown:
{"hour": 11, "minute": 5}
